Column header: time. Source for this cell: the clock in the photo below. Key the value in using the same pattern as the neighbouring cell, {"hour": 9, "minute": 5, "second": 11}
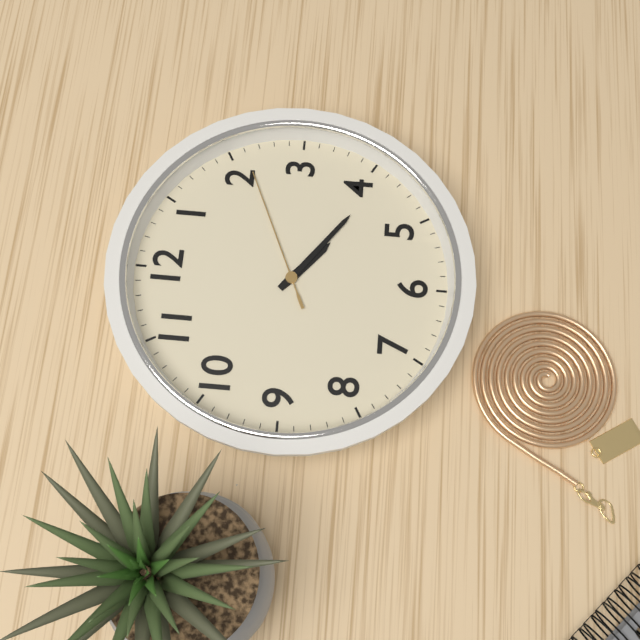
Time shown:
{"hour": 4, "minute": 21, "second": 11}
